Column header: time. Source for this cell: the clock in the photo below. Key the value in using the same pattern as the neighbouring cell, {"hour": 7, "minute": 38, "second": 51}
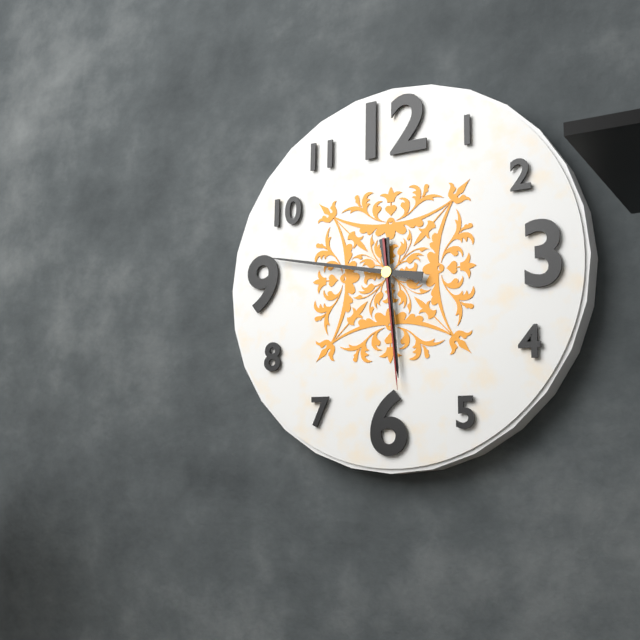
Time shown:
{"hour": 5, "minute": 47, "second": 29}
